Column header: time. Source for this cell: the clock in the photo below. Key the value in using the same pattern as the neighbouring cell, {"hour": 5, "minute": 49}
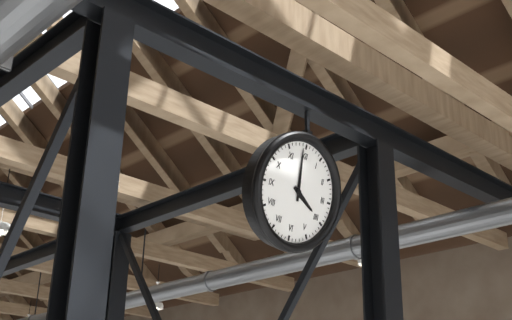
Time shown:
{"hour": 3, "minute": 59}
